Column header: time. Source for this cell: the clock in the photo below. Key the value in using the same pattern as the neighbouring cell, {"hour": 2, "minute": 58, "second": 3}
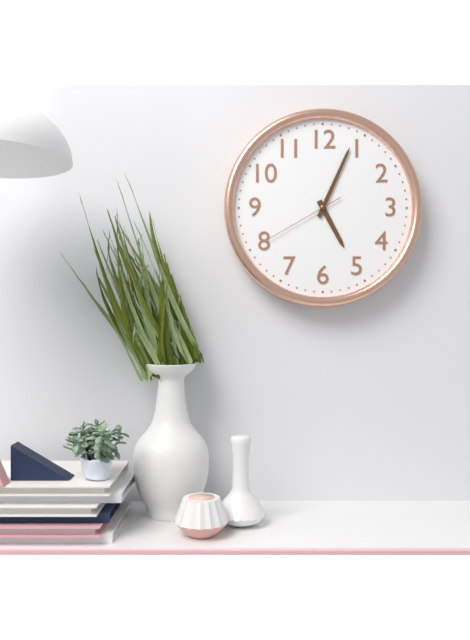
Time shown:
{"hour": 5, "minute": 4, "second": 40}
